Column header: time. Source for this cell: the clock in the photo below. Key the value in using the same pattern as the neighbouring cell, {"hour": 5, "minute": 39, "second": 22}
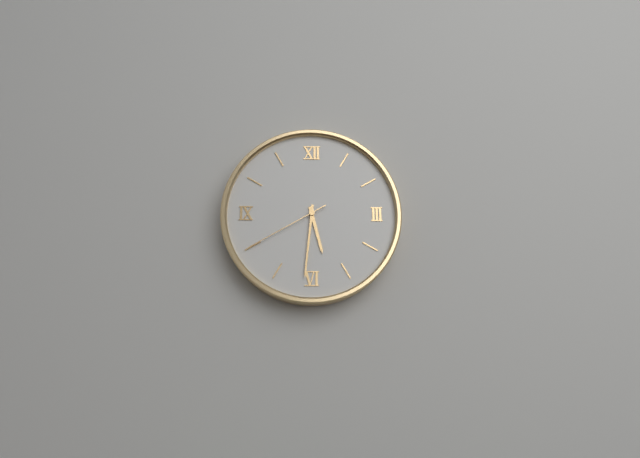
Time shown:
{"hour": 5, "minute": 31, "second": 40}
